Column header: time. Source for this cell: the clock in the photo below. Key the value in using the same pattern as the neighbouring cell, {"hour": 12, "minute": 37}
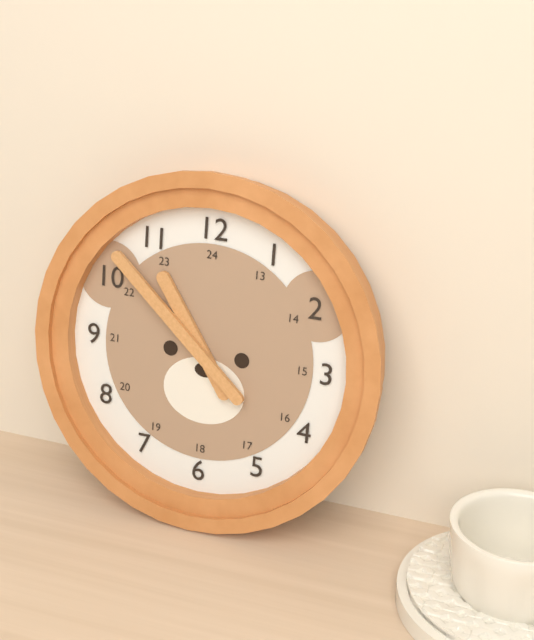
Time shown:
{"hour": 10, "minute": 52}
